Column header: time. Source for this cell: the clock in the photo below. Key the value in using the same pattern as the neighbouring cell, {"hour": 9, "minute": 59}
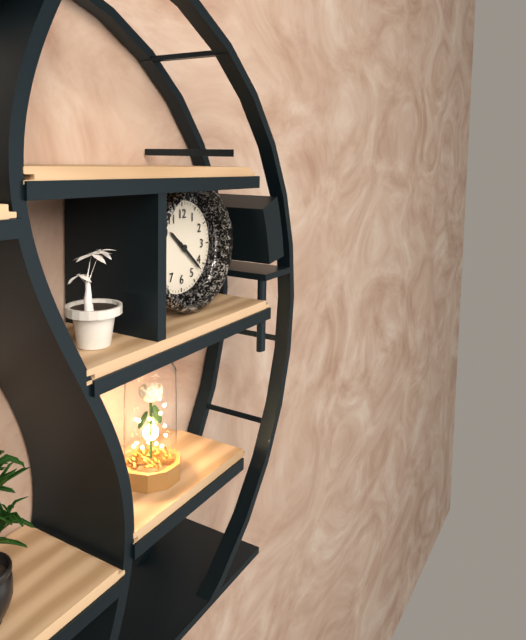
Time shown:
{"hour": 10, "minute": 22}
